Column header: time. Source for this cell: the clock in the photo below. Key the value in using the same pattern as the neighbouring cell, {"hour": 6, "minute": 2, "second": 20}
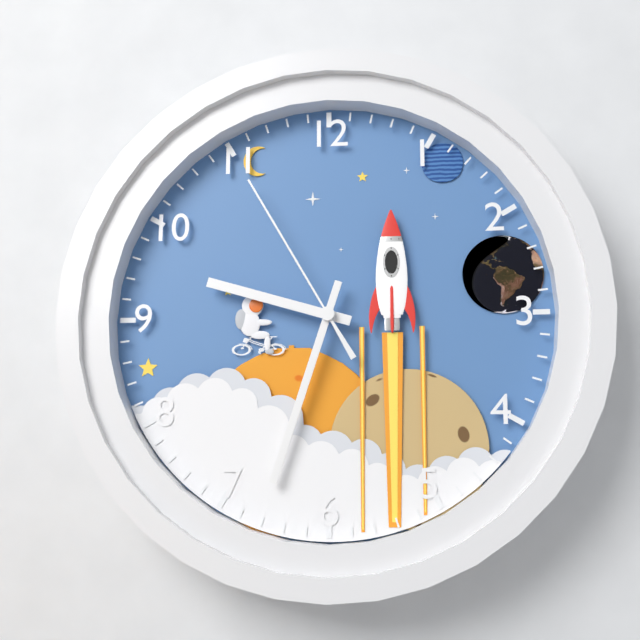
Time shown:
{"hour": 9, "minute": 33, "second": 55}
